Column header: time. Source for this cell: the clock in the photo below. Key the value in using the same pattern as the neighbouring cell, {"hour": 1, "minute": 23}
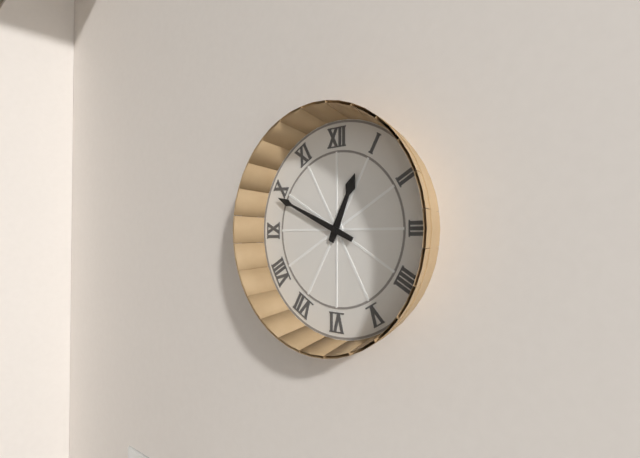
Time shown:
{"hour": 12, "minute": 49}
